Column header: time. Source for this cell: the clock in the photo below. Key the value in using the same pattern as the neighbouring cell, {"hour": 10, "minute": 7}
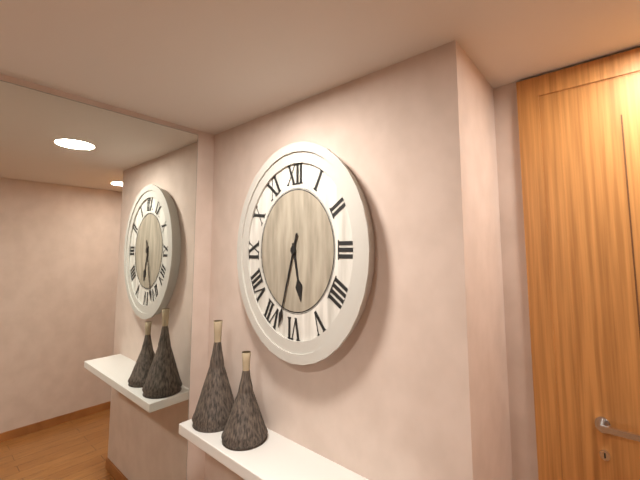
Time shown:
{"hour": 5, "minute": 33}
